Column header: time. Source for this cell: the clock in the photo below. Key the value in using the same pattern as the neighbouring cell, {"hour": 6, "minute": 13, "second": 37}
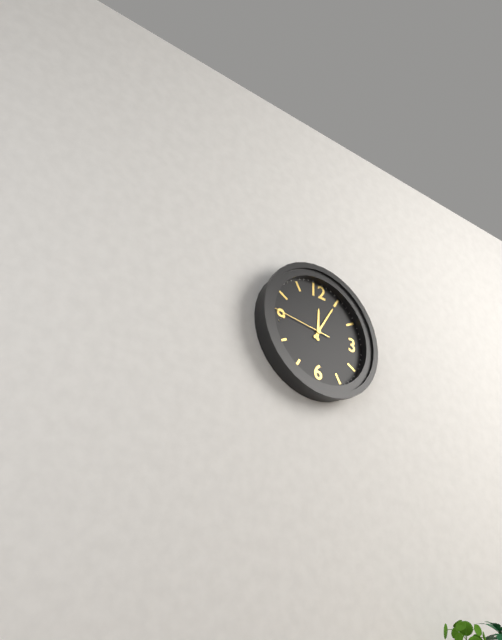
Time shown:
{"hour": 12, "minute": 5, "second": 46}
